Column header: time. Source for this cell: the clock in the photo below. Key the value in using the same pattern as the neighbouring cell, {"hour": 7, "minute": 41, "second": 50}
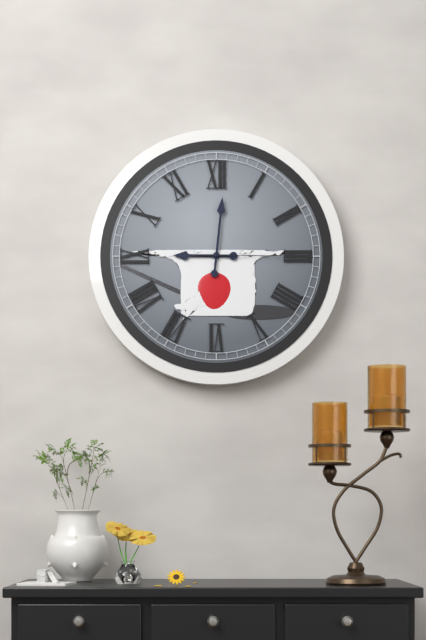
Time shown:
{"hour": 9, "minute": 1, "second": 15}
